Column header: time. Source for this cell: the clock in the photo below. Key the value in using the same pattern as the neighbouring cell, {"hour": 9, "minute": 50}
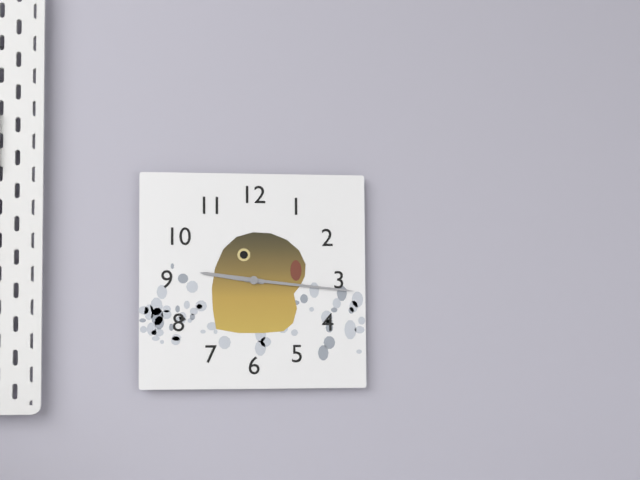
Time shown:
{"hour": 9, "minute": 16}
